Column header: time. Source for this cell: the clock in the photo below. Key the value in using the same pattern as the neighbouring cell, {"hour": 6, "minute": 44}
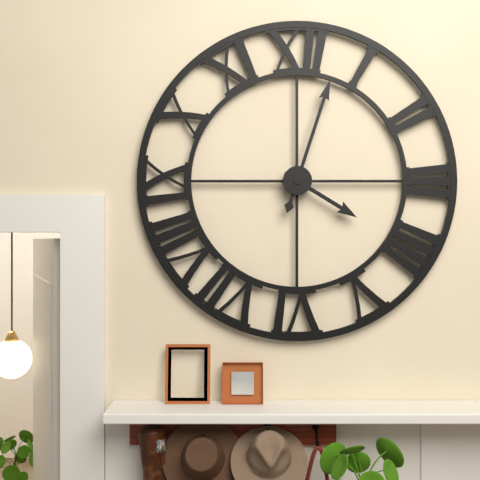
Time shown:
{"hour": 4, "minute": 3}
